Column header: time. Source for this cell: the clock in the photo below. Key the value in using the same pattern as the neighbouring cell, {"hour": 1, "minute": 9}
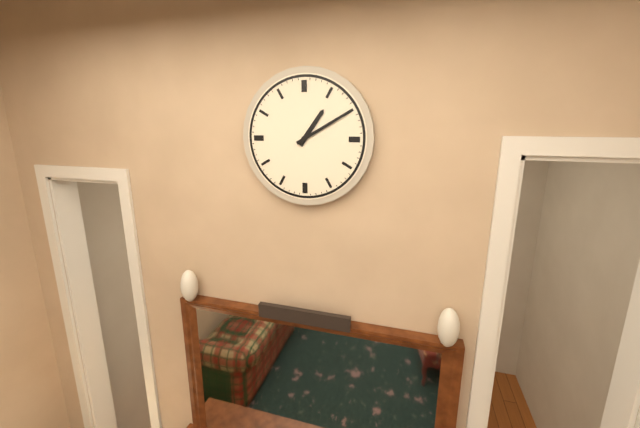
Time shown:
{"hour": 1, "minute": 10}
